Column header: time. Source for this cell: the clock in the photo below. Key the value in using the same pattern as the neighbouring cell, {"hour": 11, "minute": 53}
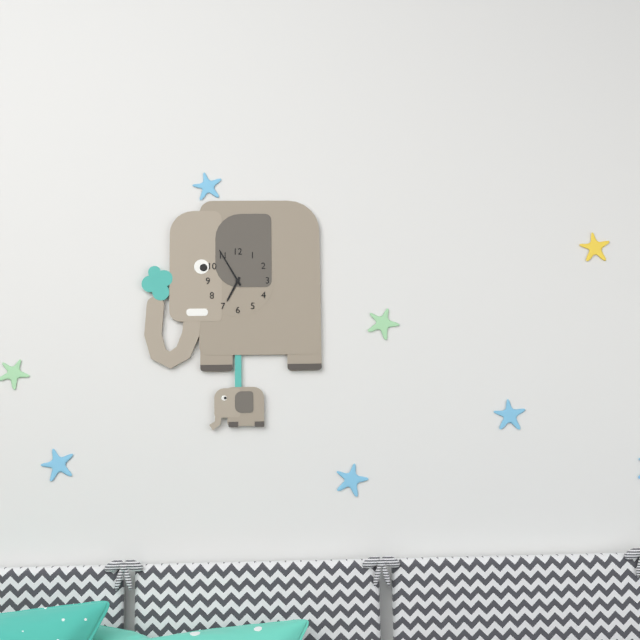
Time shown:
{"hour": 6, "minute": 55}
